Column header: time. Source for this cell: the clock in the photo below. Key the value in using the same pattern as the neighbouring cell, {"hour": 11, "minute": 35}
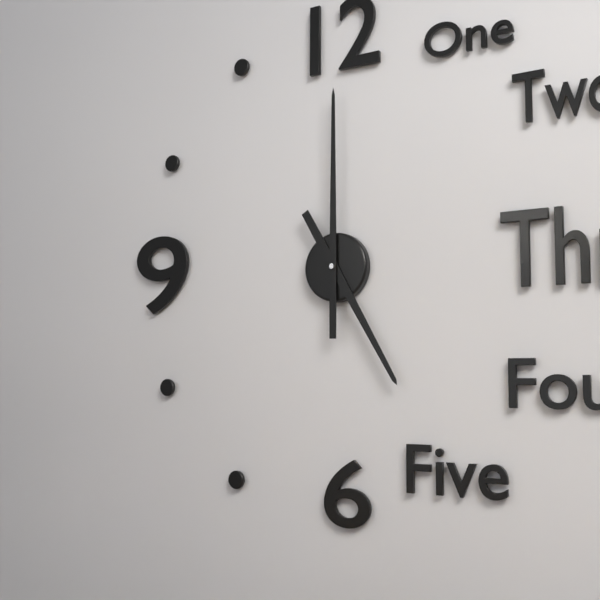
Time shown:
{"hour": 5, "minute": 0}
